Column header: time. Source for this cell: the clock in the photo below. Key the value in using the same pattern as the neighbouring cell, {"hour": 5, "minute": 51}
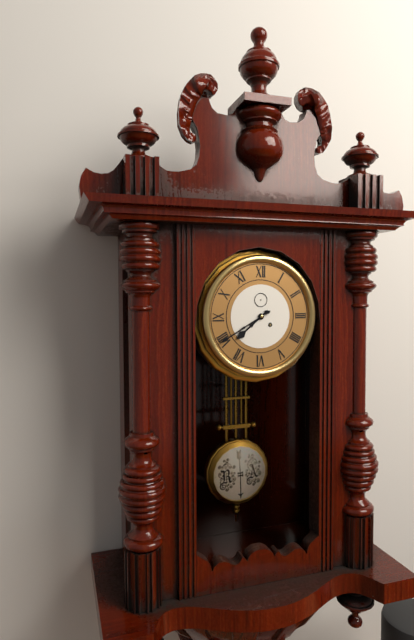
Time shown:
{"hour": 7, "minute": 40}
